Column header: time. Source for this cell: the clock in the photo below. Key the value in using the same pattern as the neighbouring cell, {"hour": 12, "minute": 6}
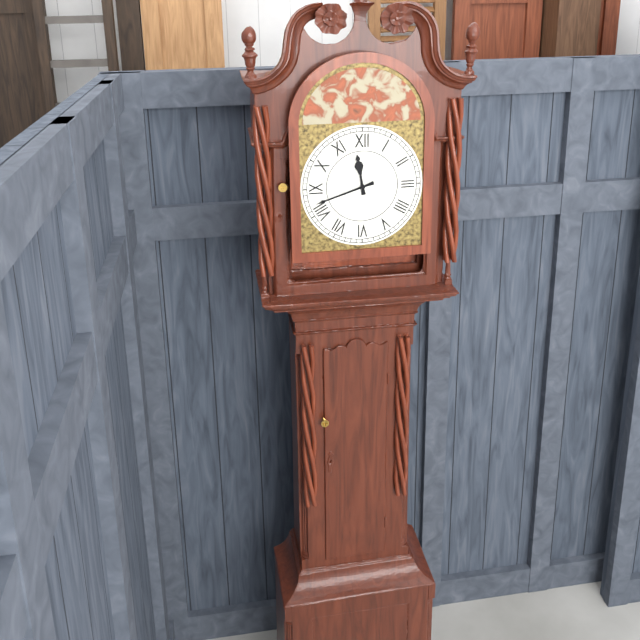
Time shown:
{"hour": 11, "minute": 42}
